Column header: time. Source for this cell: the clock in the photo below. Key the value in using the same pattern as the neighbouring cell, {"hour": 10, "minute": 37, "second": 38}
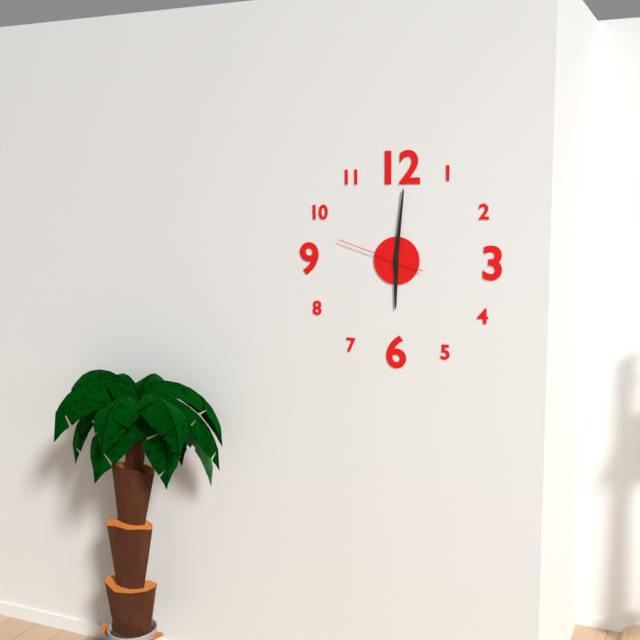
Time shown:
{"hour": 6, "minute": 1, "second": 48}
